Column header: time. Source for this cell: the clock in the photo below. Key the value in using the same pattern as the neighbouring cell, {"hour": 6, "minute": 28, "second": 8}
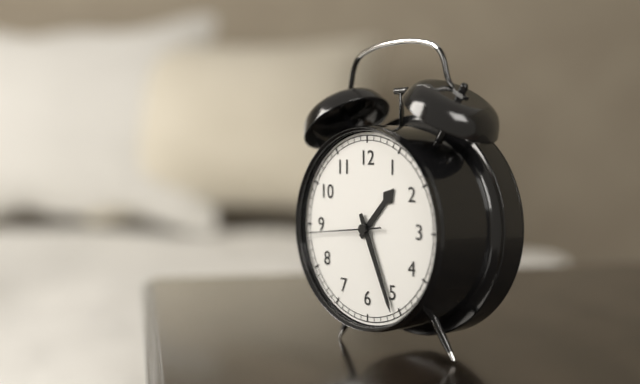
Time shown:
{"hour": 1, "minute": 26, "second": 44}
